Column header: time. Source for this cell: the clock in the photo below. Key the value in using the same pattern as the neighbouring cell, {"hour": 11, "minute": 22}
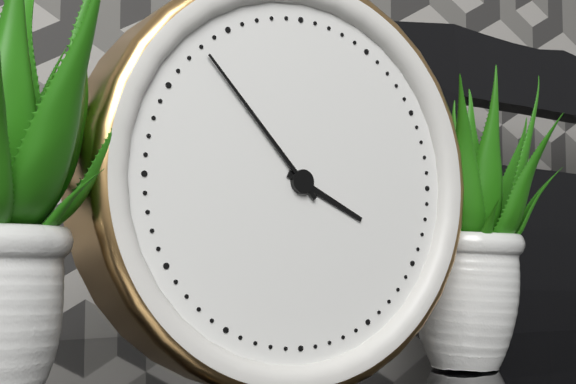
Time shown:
{"hour": 3, "minute": 53}
